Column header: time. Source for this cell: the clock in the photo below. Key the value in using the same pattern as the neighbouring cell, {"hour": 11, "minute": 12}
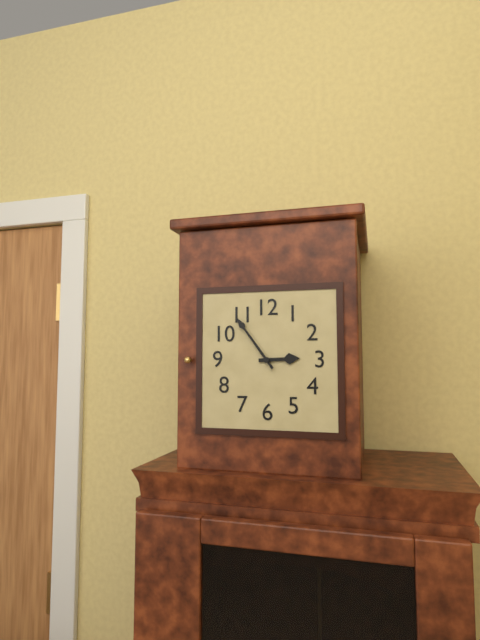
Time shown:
{"hour": 2, "minute": 54}
